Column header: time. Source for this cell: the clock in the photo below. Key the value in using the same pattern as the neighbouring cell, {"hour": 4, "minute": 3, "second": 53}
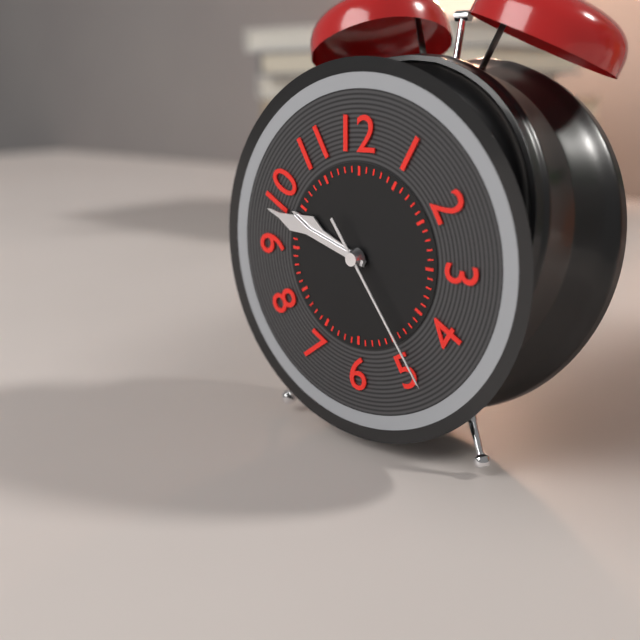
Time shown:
{"hour": 9, "minute": 48, "second": 24}
